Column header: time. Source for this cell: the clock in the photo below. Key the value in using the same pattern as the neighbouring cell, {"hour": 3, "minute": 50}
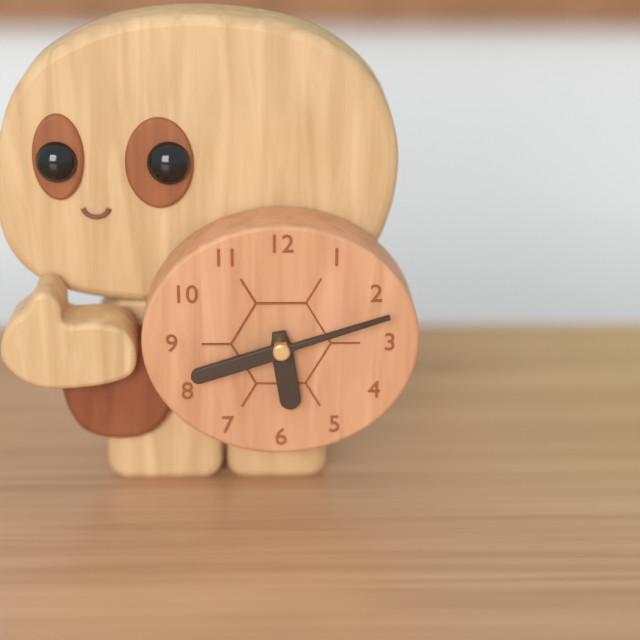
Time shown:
{"hour": 5, "minute": 42}
